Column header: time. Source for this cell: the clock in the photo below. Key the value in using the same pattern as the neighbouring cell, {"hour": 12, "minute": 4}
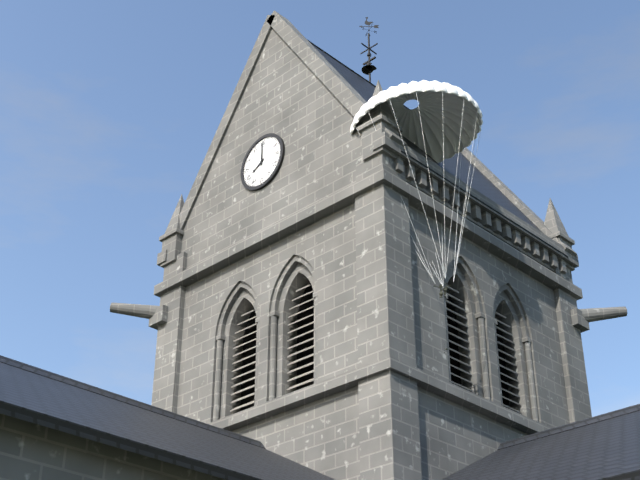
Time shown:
{"hour": 8, "minute": 0}
